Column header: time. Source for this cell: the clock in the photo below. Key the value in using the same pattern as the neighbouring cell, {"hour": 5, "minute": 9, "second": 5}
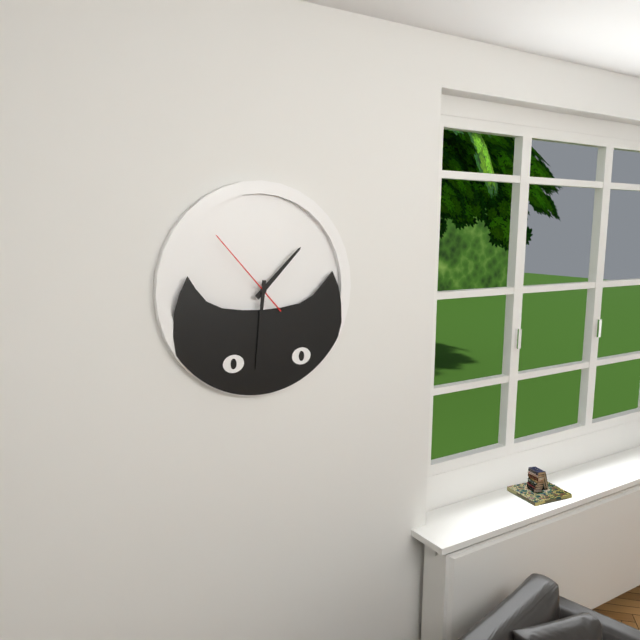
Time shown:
{"hour": 1, "minute": 31, "second": 53}
